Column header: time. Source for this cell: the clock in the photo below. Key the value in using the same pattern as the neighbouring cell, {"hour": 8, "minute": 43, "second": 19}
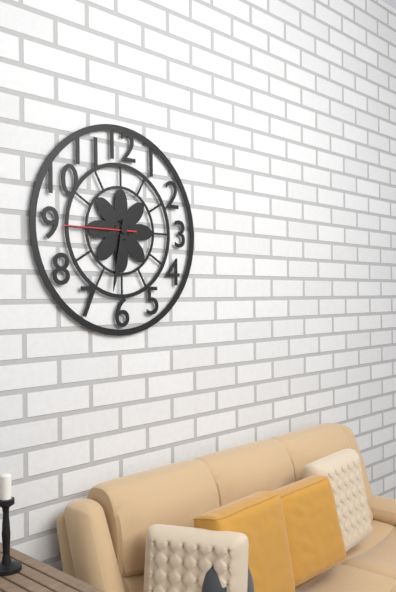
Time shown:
{"hour": 8, "minute": 32, "second": 45}
